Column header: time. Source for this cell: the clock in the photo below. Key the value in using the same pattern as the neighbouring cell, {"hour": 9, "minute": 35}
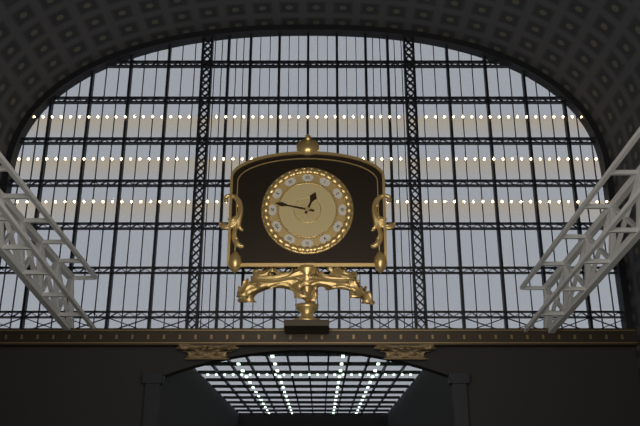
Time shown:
{"hour": 12, "minute": 47}
